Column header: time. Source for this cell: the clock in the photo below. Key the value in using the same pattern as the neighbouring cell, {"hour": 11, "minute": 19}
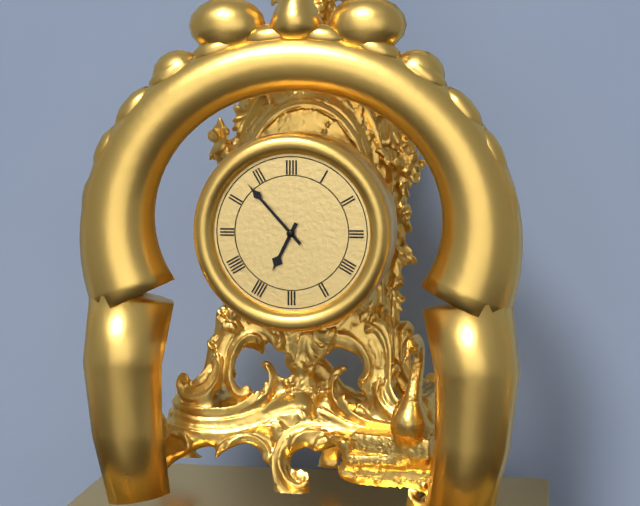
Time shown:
{"hour": 6, "minute": 53}
